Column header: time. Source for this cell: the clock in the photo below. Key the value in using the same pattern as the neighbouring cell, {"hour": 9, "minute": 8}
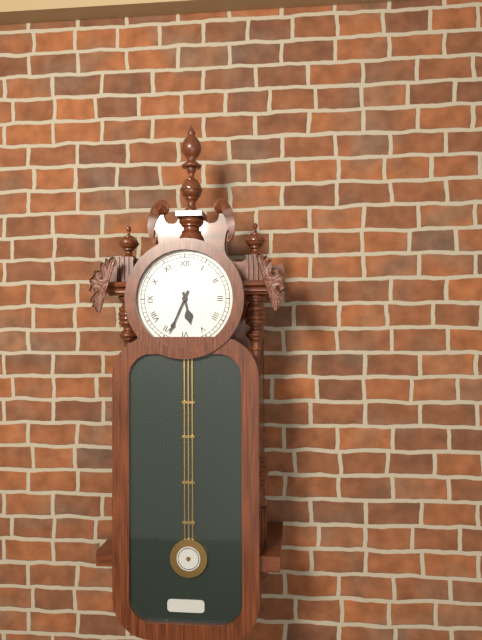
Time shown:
{"hour": 5, "minute": 34}
